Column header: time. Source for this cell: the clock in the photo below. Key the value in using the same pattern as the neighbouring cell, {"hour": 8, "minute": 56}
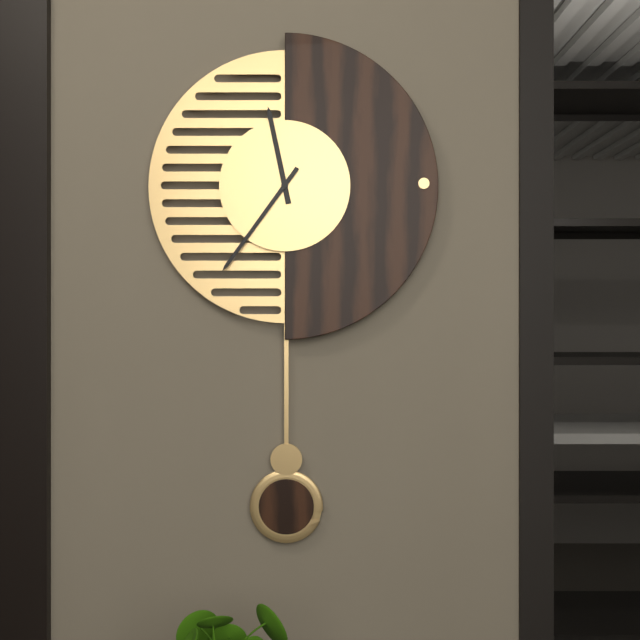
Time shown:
{"hour": 11, "minute": 36}
